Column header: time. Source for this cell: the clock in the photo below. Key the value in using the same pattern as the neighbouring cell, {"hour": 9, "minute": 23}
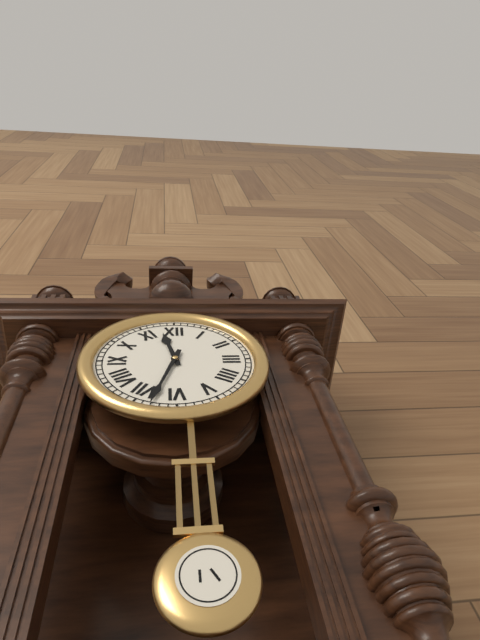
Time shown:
{"hour": 11, "minute": 33}
